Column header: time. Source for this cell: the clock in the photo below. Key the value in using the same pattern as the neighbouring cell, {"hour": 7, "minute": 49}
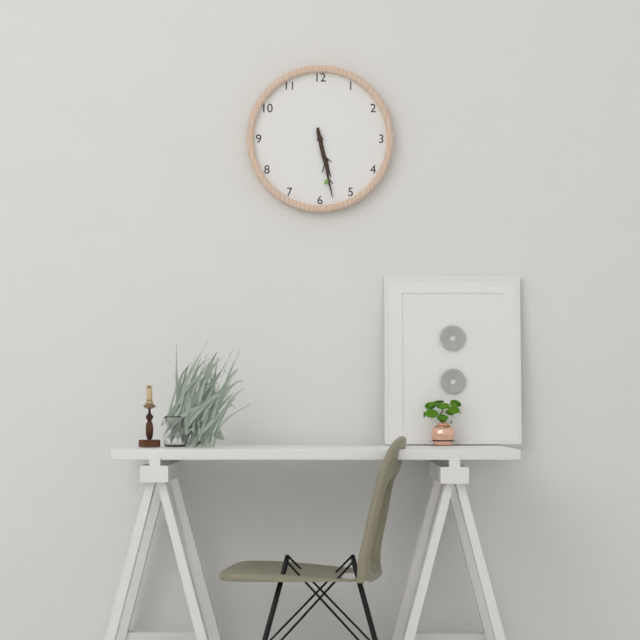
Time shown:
{"hour": 5, "minute": 28}
